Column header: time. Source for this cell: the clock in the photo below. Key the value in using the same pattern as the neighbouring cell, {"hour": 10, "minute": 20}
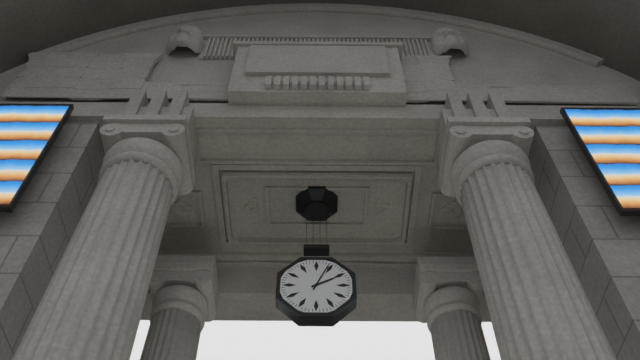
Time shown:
{"hour": 2, "minute": 4}
